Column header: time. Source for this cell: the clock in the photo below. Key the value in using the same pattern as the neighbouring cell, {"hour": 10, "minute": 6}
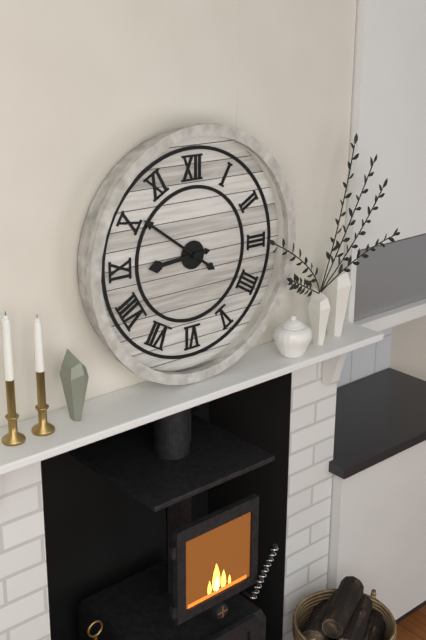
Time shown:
{"hour": 8, "minute": 51}
